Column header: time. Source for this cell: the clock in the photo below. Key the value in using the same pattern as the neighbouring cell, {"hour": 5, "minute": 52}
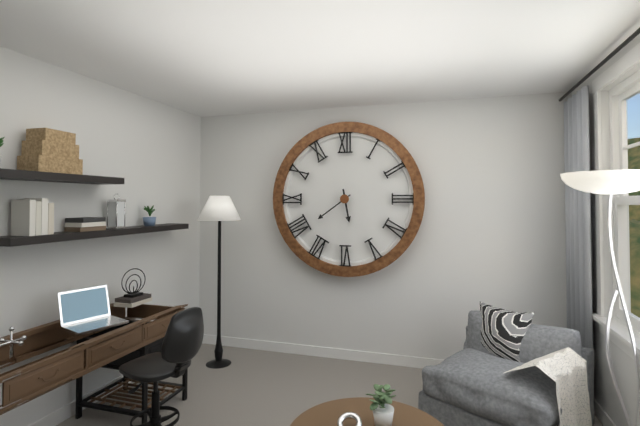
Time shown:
{"hour": 5, "minute": 39}
